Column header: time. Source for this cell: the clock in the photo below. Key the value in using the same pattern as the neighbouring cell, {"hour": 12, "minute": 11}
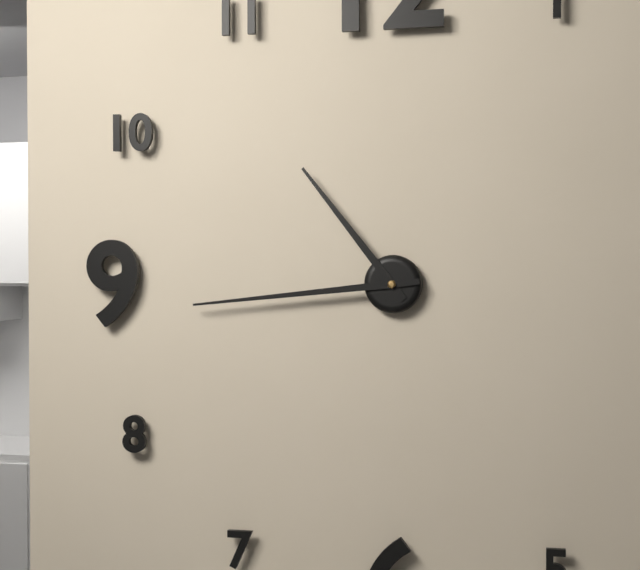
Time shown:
{"hour": 10, "minute": 44}
